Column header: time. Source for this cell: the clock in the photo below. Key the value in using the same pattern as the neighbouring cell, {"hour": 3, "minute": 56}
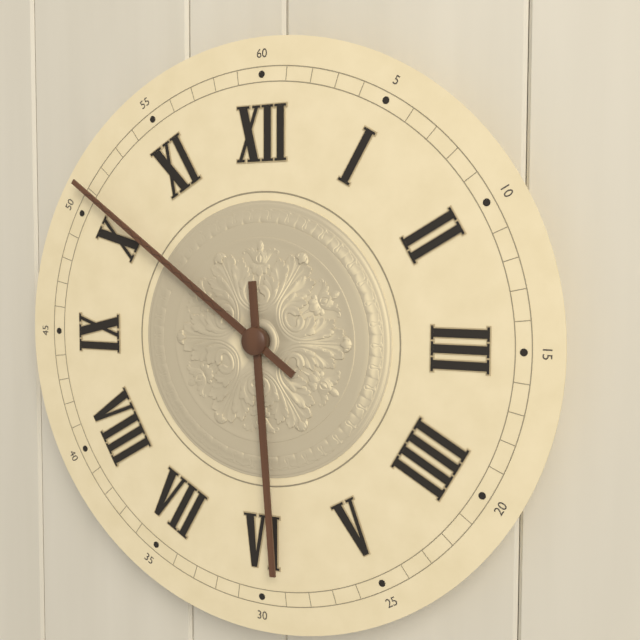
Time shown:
{"hour": 5, "minute": 51}
